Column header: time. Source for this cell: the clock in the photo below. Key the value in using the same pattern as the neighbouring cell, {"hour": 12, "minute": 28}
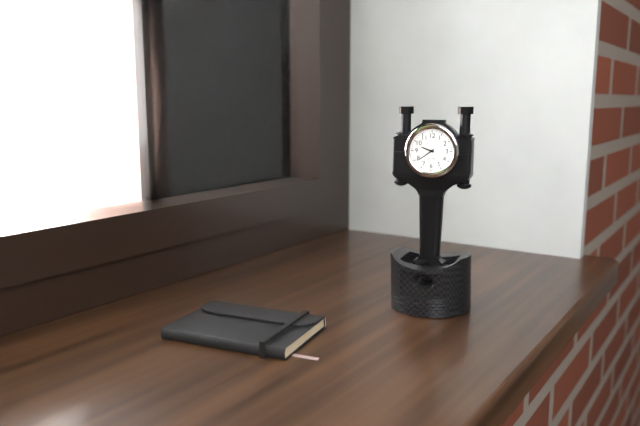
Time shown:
{"hour": 9, "minute": 39}
